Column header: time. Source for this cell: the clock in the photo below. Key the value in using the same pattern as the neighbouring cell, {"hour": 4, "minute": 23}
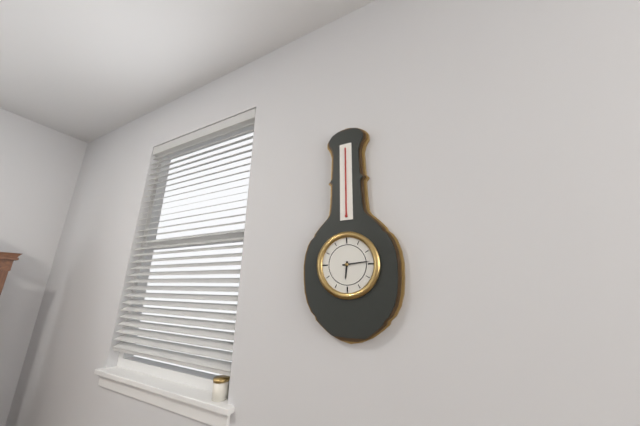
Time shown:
{"hour": 6, "minute": 14}
